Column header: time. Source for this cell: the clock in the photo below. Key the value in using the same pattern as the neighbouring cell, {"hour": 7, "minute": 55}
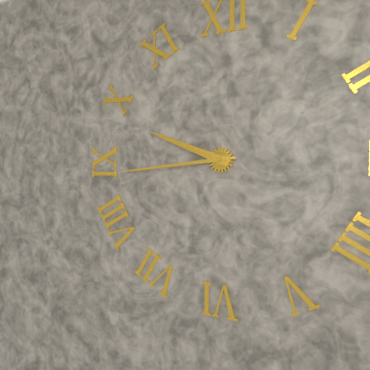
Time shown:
{"hour": 9, "minute": 44}
